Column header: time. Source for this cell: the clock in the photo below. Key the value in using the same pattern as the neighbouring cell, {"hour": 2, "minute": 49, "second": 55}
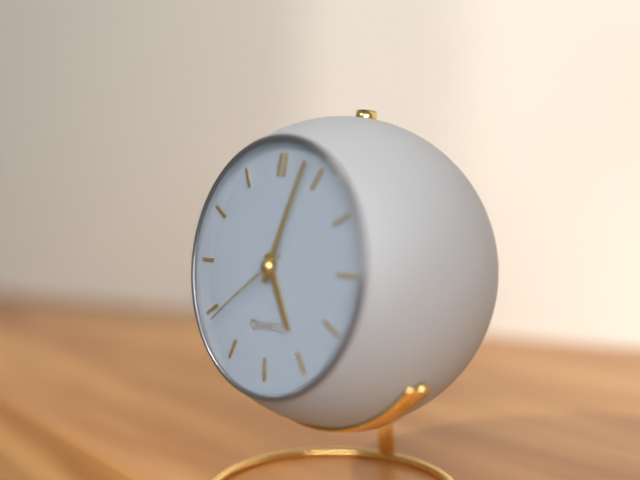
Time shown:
{"hour": 5, "minute": 3, "second": 39}
